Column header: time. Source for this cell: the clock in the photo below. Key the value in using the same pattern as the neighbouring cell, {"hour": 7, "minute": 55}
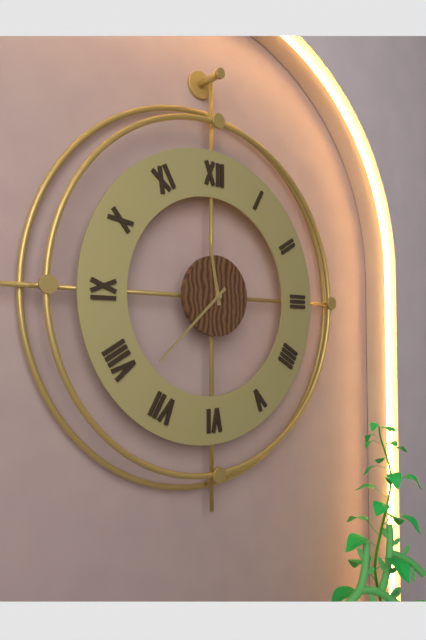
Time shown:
{"hour": 11, "minute": 38}
